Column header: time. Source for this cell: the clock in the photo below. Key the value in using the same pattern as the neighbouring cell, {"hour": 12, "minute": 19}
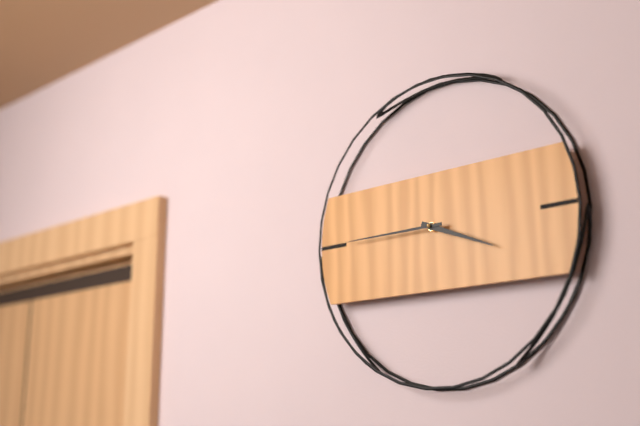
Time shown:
{"hour": 3, "minute": 45}
